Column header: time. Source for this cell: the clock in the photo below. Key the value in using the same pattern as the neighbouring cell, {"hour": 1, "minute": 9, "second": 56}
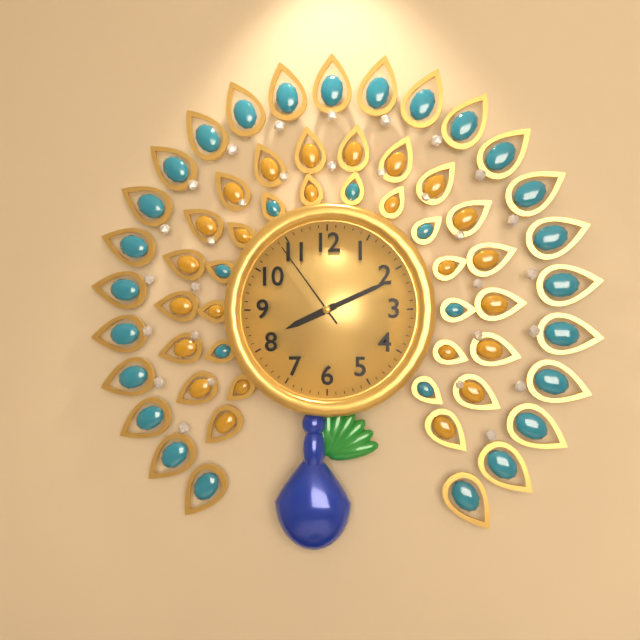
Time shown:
{"hour": 8, "minute": 11, "second": 54}
